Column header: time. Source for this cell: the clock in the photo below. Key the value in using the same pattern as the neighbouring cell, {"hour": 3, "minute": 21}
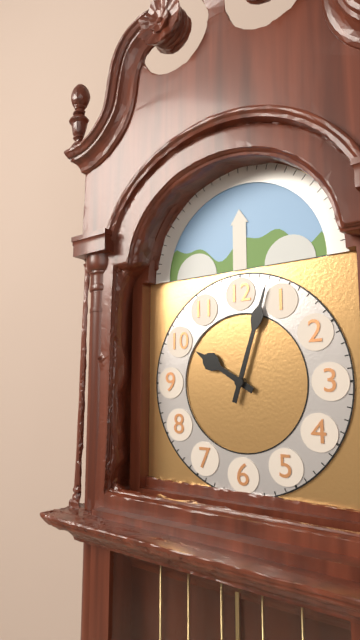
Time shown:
{"hour": 10, "minute": 3}
